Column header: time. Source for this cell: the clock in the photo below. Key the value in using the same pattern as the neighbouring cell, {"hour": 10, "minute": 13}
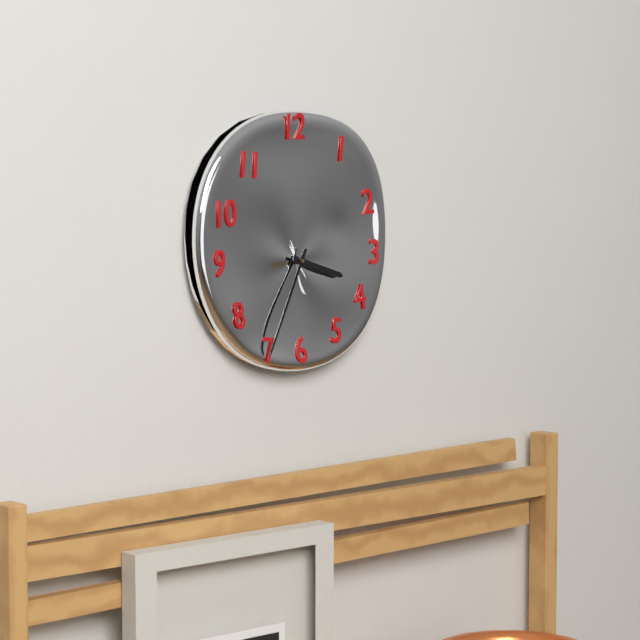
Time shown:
{"hour": 3, "minute": 34}
